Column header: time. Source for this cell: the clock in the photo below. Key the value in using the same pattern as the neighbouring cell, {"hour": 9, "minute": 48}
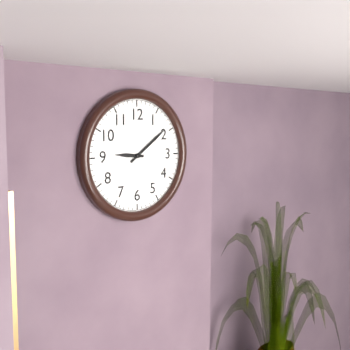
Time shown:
{"hour": 9, "minute": 9}
